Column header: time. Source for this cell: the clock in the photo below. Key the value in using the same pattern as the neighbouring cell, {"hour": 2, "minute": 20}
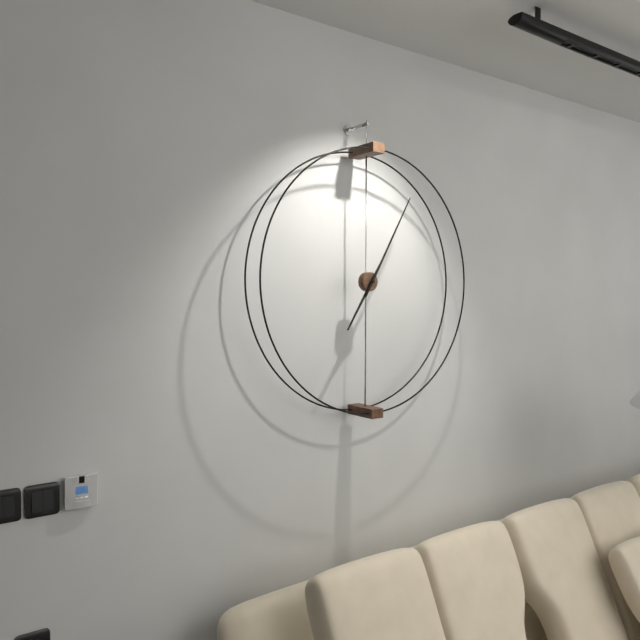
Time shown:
{"hour": 7, "minute": 5}
